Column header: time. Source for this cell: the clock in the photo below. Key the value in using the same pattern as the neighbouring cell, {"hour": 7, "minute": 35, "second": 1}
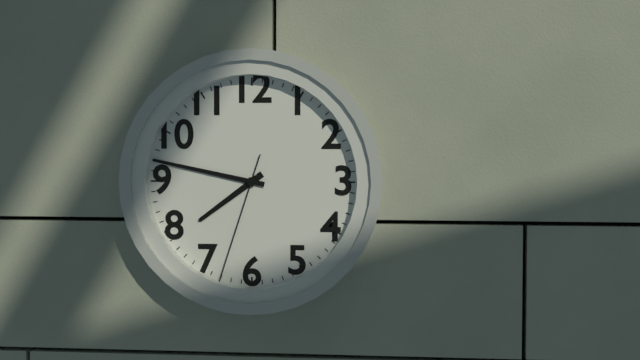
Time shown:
{"hour": 7, "minute": 47, "second": 33}
